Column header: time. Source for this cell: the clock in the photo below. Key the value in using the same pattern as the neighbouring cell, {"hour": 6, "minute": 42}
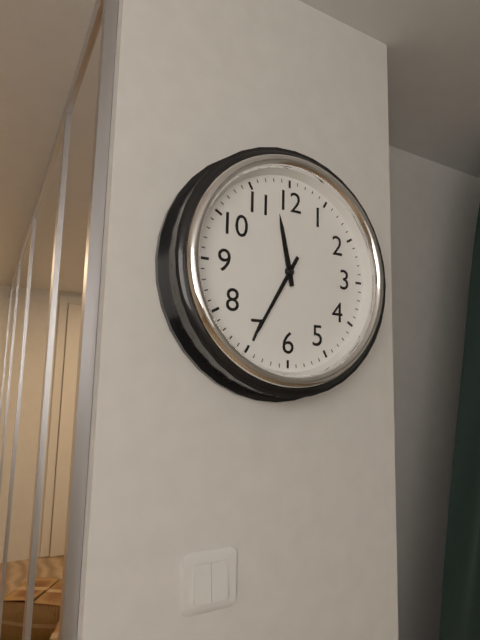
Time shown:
{"hour": 11, "minute": 35}
